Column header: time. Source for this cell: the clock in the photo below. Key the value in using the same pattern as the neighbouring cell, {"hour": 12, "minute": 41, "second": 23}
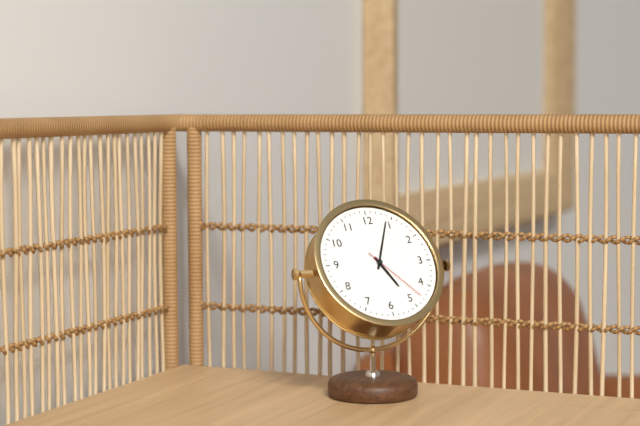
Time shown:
{"hour": 5, "minute": 4, "second": 23}
